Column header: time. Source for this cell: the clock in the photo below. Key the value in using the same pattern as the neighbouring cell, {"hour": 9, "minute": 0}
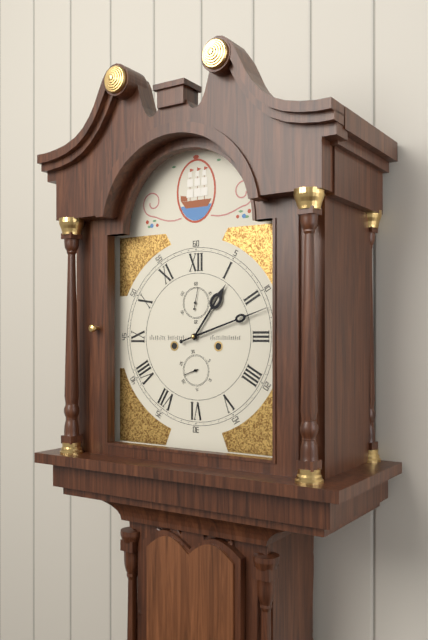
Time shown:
{"hour": 1, "minute": 12}
